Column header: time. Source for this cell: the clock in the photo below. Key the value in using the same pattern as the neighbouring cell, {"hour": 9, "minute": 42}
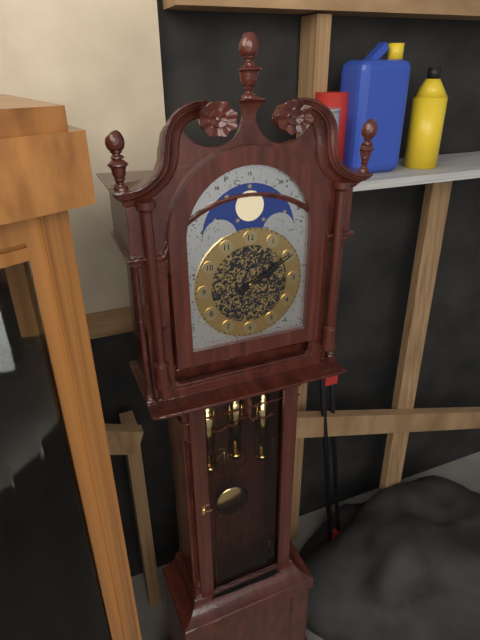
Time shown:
{"hour": 2, "minute": 10}
